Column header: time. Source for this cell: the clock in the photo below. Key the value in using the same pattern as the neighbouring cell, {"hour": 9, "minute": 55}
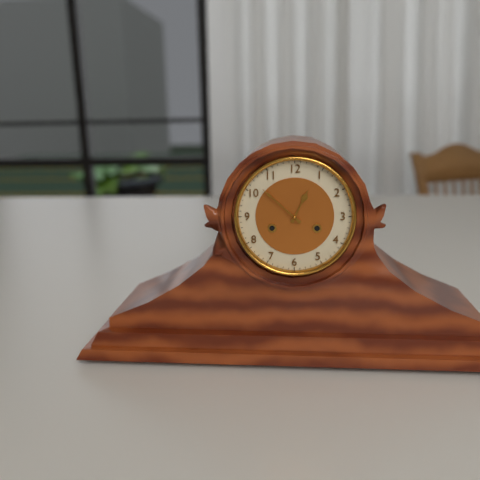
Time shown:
{"hour": 12, "minute": 52}
